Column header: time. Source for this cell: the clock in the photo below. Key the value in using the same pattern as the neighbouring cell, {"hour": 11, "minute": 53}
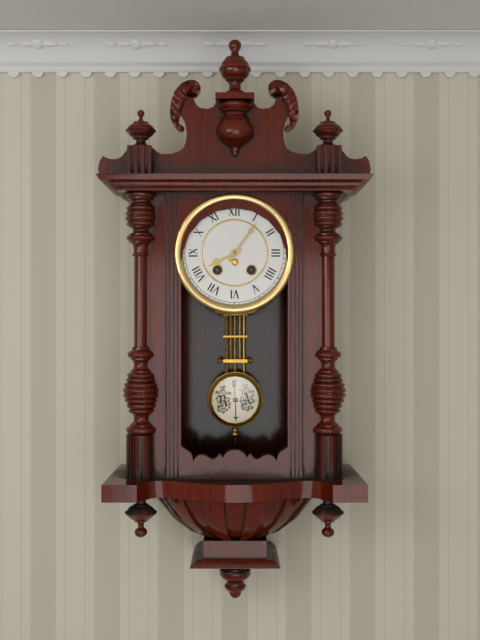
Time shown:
{"hour": 8, "minute": 6}
